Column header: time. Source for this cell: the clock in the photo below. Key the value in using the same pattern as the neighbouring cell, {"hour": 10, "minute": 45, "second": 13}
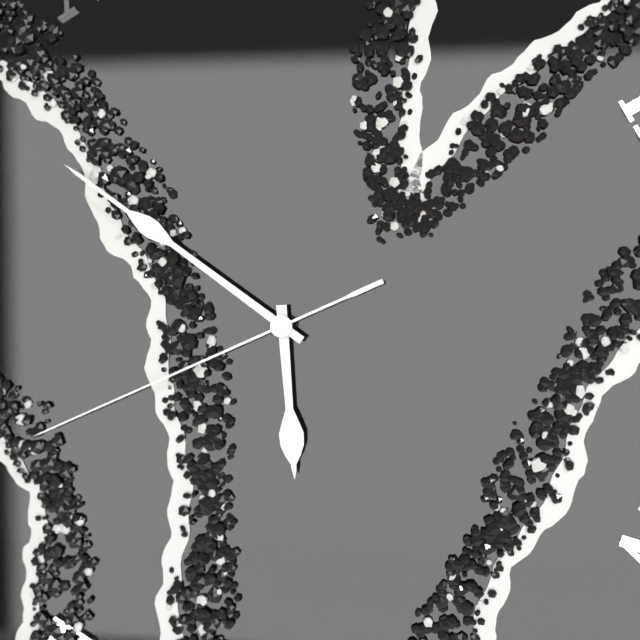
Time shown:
{"hour": 5, "minute": 51, "second": 41}
